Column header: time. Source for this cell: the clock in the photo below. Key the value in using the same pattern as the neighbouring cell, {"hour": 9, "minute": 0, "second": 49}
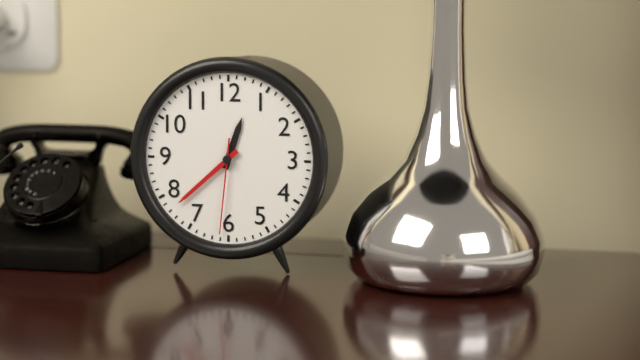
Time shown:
{"hour": 12, "minute": 38, "second": 31}
